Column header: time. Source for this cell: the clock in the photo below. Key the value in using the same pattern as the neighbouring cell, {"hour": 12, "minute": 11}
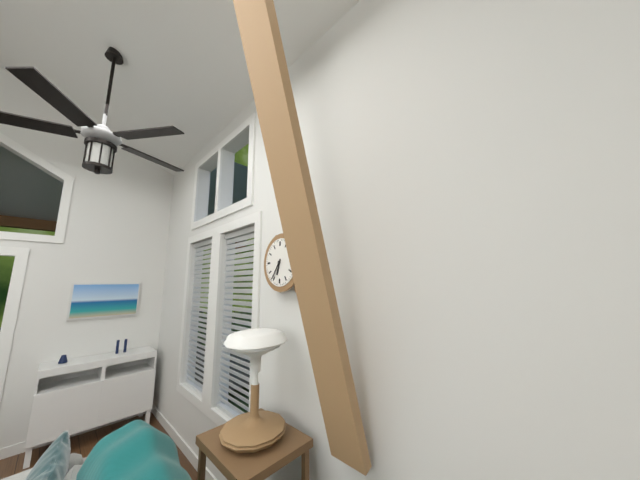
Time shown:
{"hour": 6, "minute": 36}
